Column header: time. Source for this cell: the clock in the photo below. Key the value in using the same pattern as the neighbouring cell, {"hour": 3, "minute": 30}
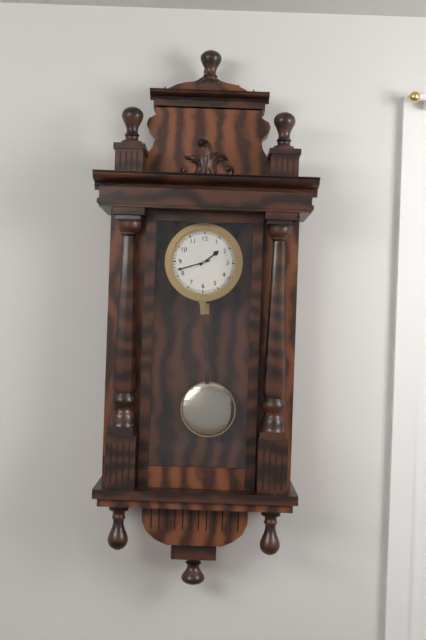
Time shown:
{"hour": 1, "minute": 42}
